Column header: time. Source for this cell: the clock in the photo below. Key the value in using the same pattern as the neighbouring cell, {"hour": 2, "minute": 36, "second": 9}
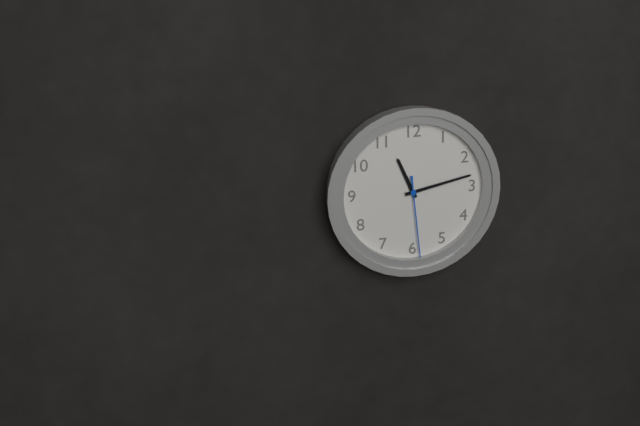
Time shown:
{"hour": 11, "minute": 13, "second": 29}
